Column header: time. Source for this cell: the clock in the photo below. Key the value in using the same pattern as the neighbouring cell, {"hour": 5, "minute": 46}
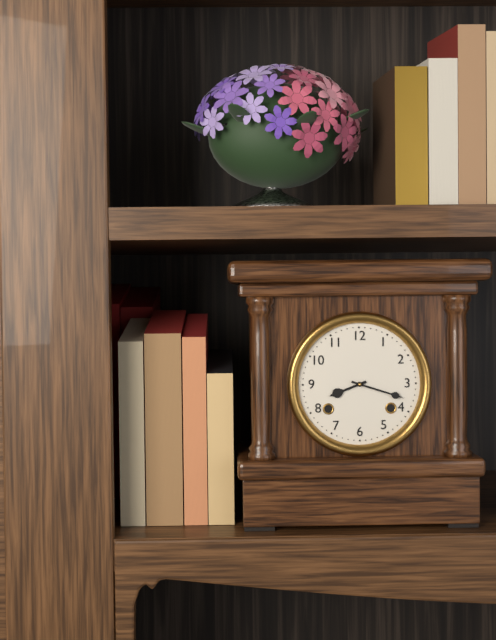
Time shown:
{"hour": 8, "minute": 18}
